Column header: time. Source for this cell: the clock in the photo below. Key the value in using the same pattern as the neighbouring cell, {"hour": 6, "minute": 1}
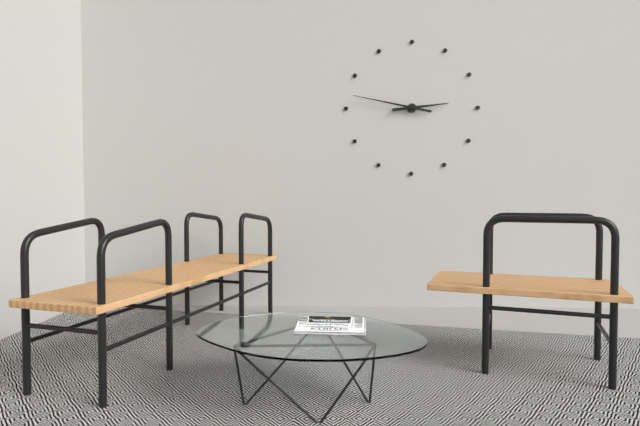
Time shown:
{"hour": 2, "minute": 47}
